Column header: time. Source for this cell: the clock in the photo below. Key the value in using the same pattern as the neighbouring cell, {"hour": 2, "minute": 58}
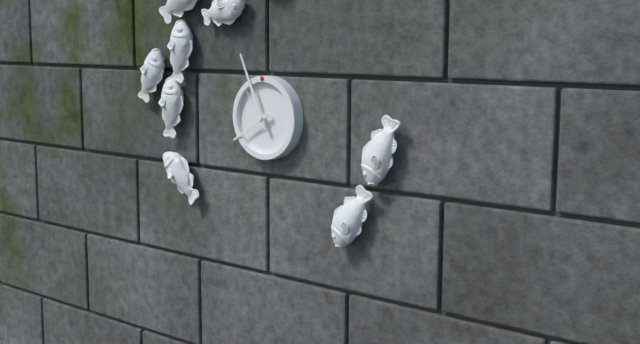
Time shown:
{"hour": 7, "minute": 56}
